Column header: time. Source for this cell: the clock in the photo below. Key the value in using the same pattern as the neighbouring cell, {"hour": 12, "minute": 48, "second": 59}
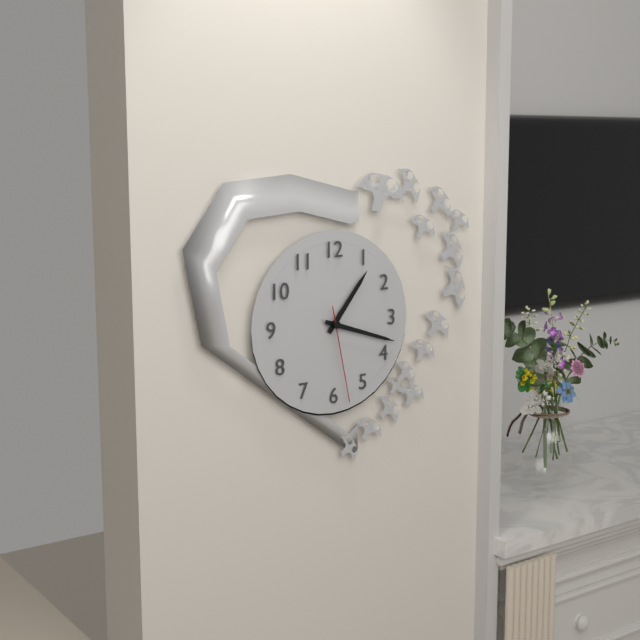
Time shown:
{"hour": 1, "minute": 18, "second": 28}
